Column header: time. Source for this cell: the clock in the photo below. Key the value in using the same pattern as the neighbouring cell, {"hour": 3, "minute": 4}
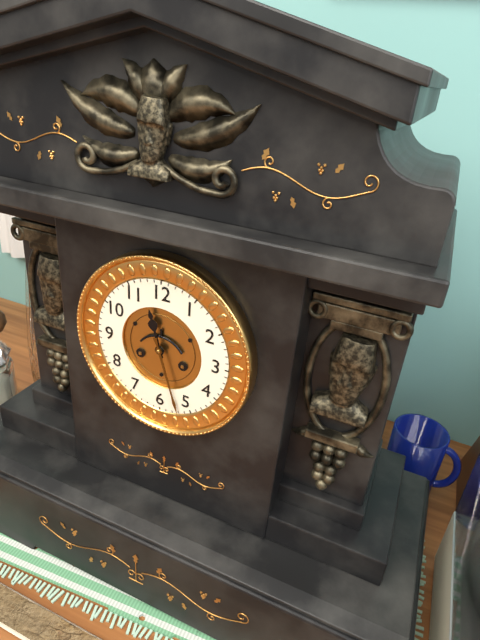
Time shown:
{"hour": 11, "minute": 27}
